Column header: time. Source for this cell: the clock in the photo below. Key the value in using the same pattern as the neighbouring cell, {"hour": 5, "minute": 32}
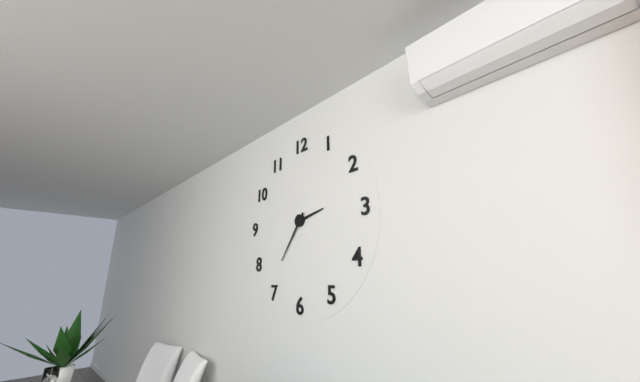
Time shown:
{"hour": 2, "minute": 36}
